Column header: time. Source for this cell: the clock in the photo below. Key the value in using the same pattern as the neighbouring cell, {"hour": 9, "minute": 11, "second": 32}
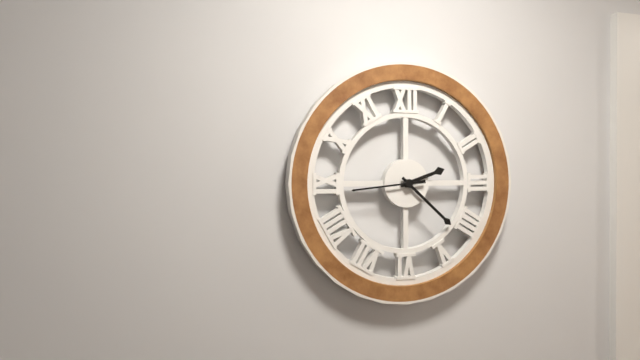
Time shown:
{"hour": 2, "minute": 22, "second": 44}
